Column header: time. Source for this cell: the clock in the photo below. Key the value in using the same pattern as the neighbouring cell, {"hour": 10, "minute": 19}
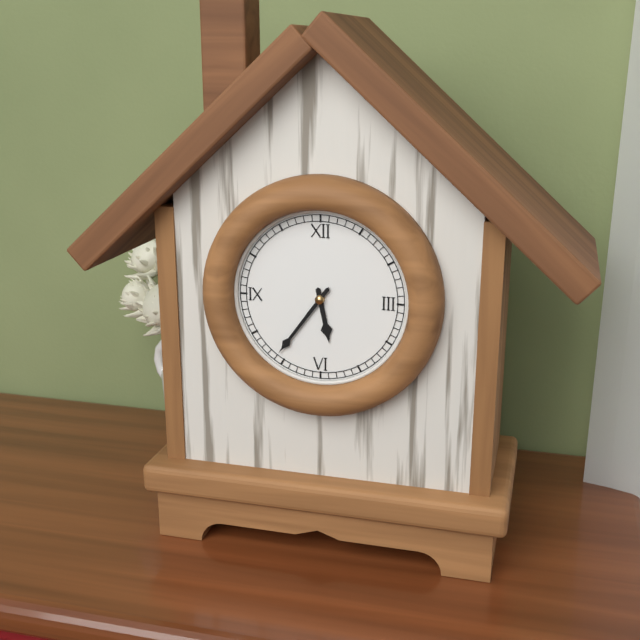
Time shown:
{"hour": 5, "minute": 36}
